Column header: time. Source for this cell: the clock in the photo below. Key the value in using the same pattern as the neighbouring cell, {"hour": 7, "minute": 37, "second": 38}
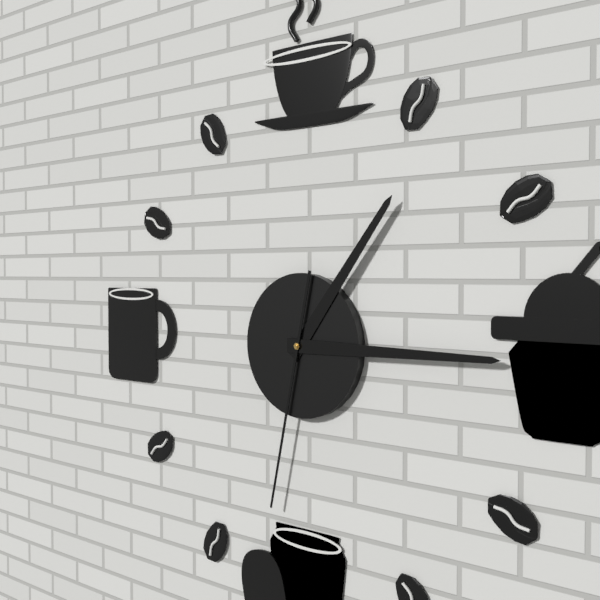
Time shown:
{"hour": 1, "minute": 15, "second": 32}
